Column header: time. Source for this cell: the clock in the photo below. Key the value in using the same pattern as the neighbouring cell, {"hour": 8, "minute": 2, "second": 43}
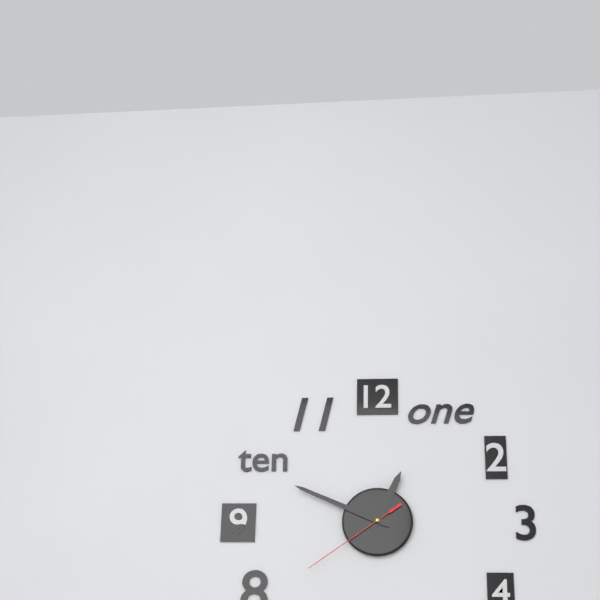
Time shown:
{"hour": 12, "minute": 49, "second": 39}
